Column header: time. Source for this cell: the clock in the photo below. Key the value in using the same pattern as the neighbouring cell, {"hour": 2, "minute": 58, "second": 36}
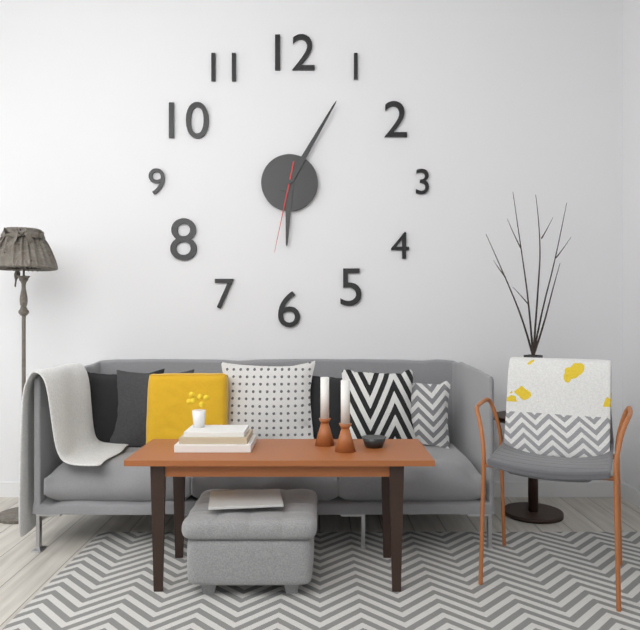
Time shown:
{"hour": 6, "minute": 5, "second": 32}
